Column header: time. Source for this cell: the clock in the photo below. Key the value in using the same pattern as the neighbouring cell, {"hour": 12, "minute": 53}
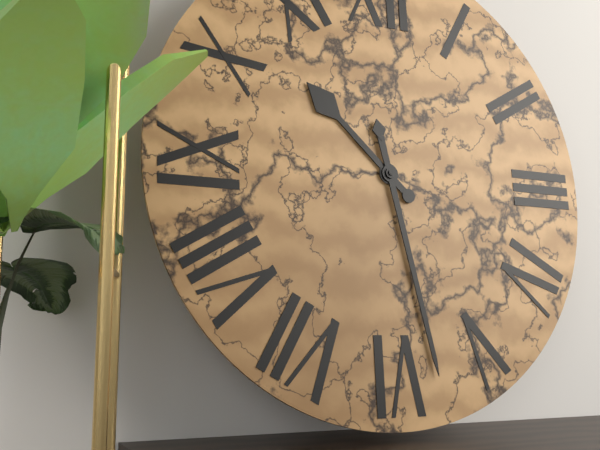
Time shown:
{"hour": 10, "minute": 28}
